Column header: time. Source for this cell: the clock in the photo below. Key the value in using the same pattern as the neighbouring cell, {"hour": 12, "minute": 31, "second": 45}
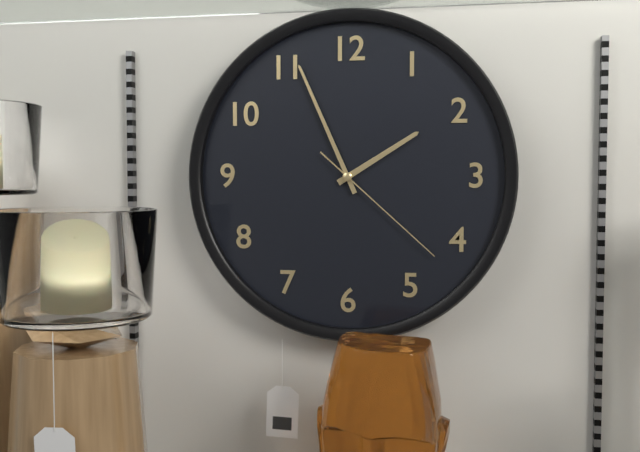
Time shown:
{"hour": 1, "minute": 56, "second": 22}
